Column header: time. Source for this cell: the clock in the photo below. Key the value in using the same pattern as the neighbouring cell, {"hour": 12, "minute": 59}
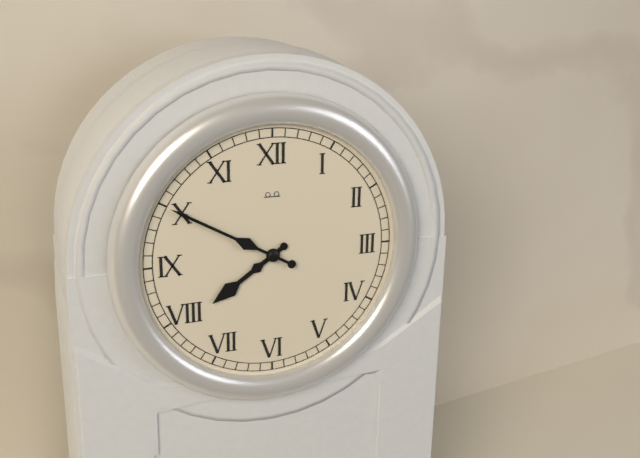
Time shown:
{"hour": 7, "minute": 50}
